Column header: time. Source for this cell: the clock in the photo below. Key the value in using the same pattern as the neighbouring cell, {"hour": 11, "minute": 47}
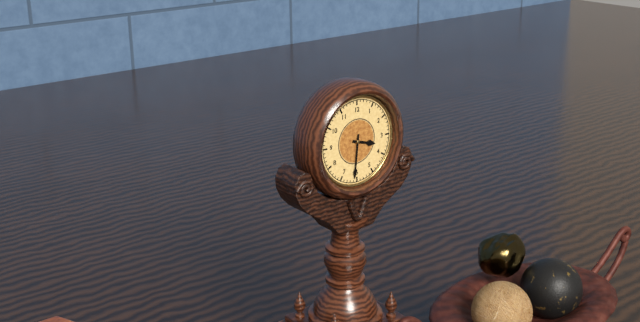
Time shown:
{"hour": 3, "minute": 31}
